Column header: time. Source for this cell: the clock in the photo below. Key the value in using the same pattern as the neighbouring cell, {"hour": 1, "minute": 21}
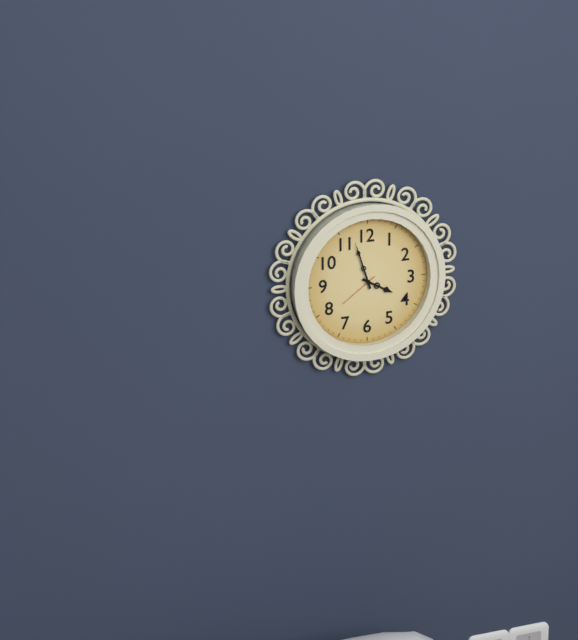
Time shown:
{"hour": 3, "minute": 57}
